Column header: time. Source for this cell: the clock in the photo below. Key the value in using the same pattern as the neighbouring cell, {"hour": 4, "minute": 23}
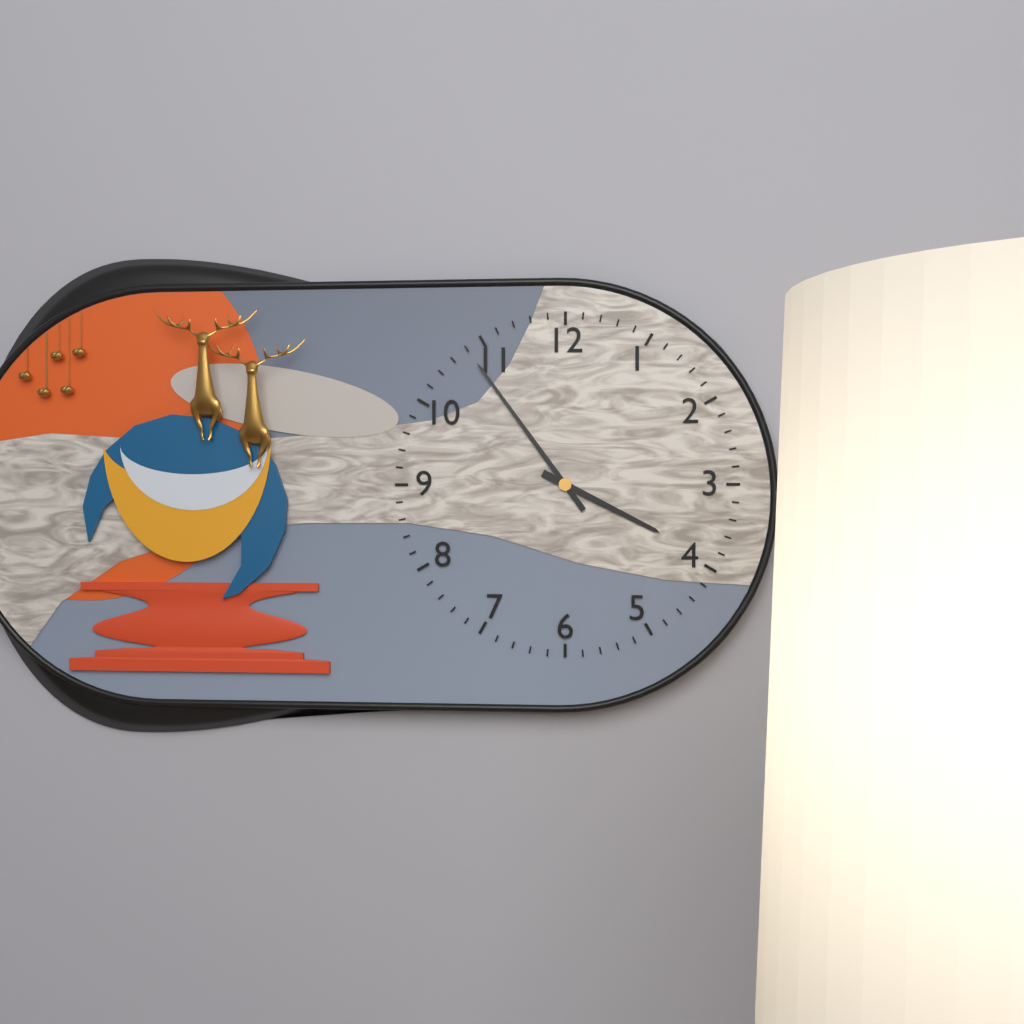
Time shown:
{"hour": 3, "minute": 54}
